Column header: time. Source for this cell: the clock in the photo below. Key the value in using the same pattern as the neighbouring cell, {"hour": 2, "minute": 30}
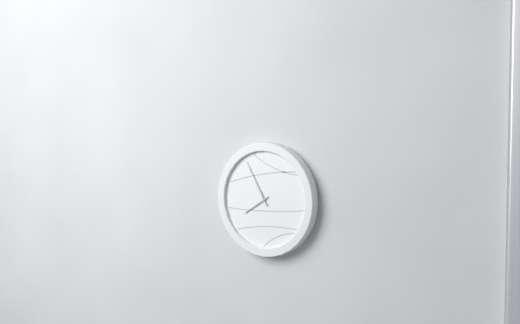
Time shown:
{"hour": 7, "minute": 55}
